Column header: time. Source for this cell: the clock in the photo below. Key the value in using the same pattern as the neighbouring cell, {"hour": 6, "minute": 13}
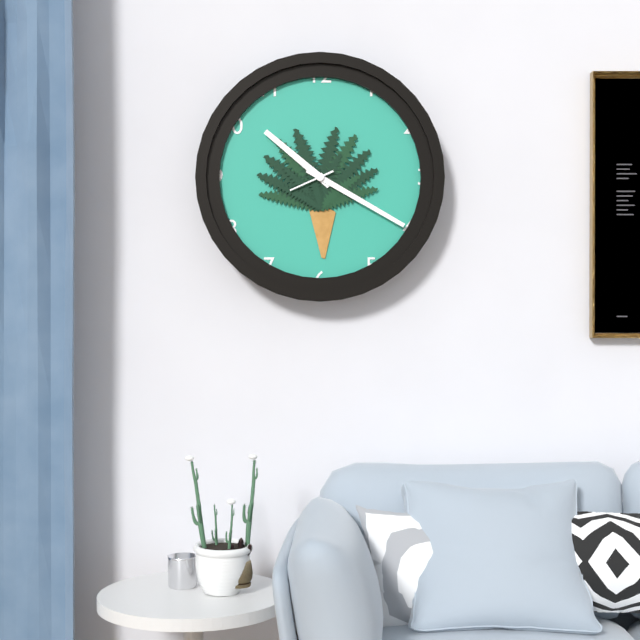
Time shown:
{"hour": 10, "minute": 20}
